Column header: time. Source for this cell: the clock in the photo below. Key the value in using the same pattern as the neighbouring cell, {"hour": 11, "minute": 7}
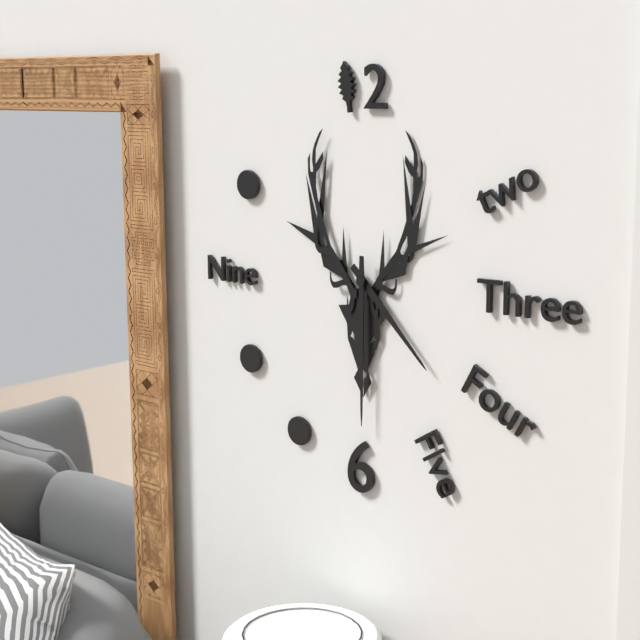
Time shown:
{"hour": 4, "minute": 30}
